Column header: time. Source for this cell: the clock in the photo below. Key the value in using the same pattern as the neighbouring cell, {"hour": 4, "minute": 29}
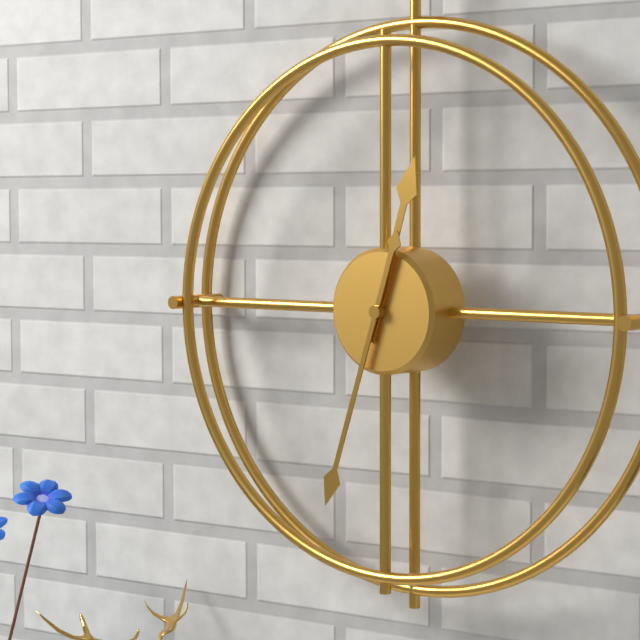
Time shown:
{"hour": 12, "minute": 33}
